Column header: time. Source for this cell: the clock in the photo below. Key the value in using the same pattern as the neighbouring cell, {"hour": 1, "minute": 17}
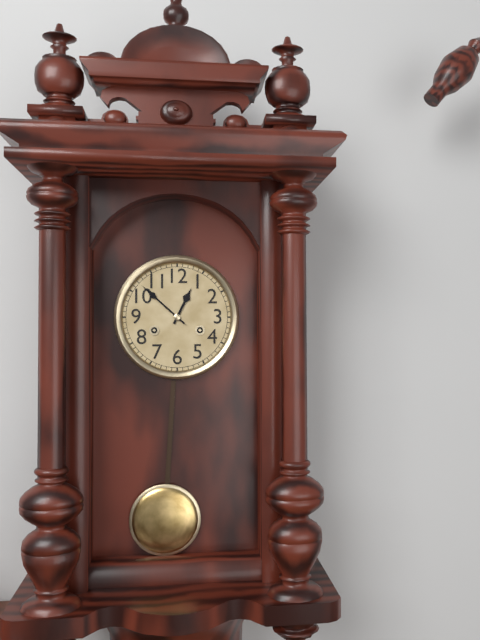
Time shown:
{"hour": 12, "minute": 52}
